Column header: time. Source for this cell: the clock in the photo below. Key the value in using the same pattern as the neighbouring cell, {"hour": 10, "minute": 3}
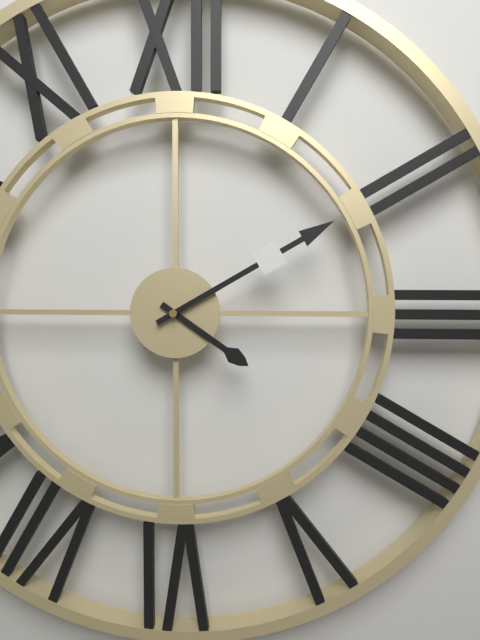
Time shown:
{"hour": 4, "minute": 10}
